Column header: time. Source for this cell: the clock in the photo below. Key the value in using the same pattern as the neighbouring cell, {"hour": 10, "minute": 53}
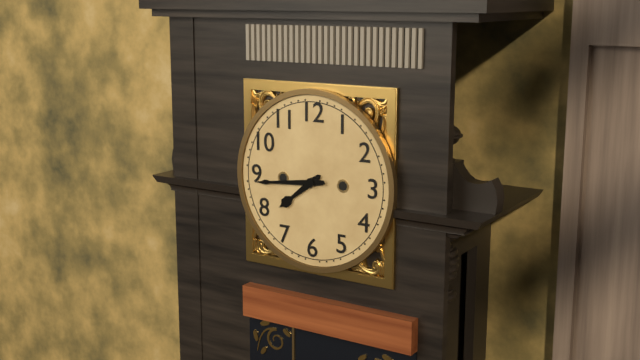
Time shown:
{"hour": 7, "minute": 44}
